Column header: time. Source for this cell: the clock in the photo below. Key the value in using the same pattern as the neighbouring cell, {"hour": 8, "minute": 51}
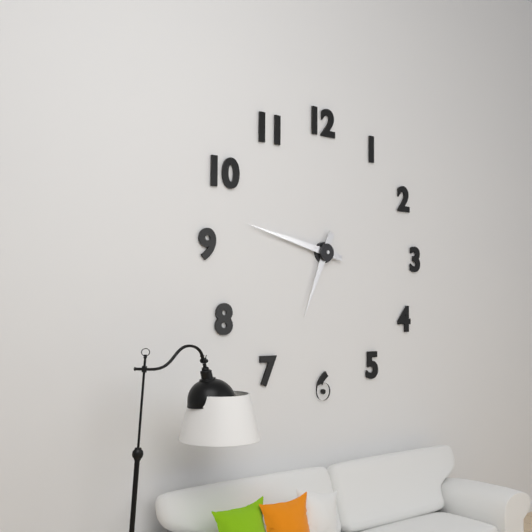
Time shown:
{"hour": 6, "minute": 47}
